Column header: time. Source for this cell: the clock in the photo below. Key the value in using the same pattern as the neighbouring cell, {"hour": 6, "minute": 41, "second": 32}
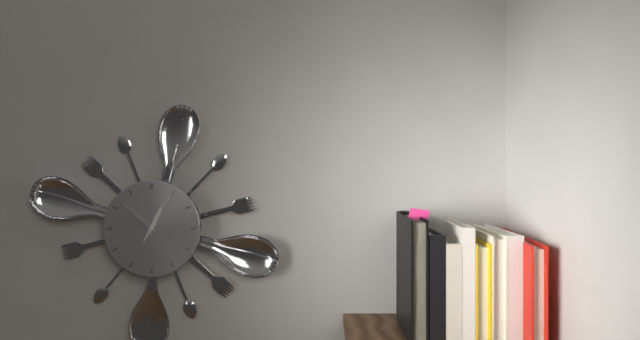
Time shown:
{"hour": 12, "minute": 52, "second": 5}
